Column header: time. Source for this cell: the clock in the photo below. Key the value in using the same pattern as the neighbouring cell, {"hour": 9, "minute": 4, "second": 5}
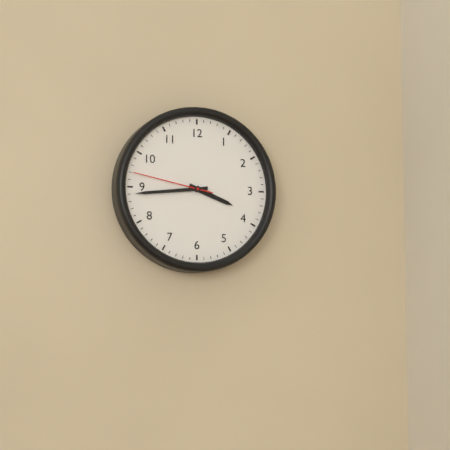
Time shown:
{"hour": 3, "minute": 44, "second": 47}
